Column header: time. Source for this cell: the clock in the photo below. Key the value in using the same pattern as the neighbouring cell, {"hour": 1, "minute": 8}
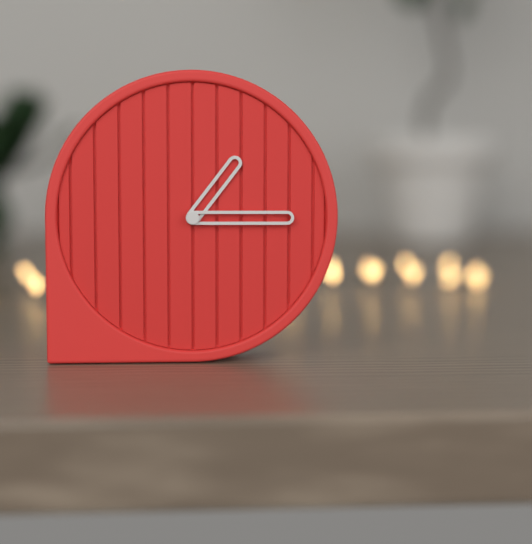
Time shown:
{"hour": 1, "minute": 15}
